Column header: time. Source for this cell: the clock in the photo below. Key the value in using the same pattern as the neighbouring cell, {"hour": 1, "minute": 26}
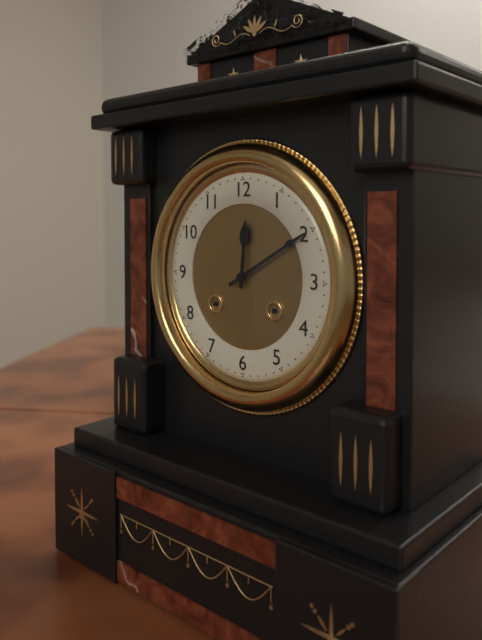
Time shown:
{"hour": 12, "minute": 10}
